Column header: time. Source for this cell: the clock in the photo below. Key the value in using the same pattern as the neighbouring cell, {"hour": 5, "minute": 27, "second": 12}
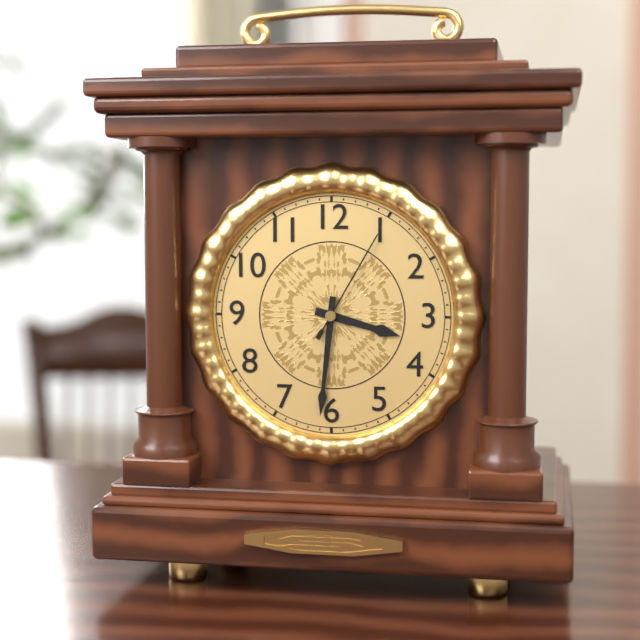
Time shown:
{"hour": 3, "minute": 31, "second": 5}
